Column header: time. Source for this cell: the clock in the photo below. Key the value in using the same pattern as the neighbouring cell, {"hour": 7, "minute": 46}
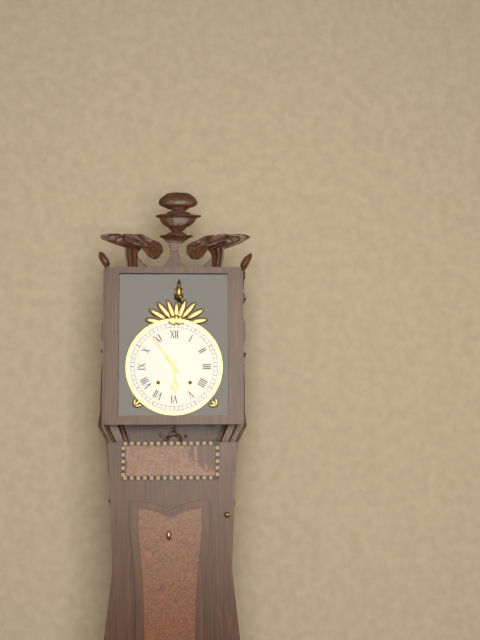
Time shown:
{"hour": 5, "minute": 54}
